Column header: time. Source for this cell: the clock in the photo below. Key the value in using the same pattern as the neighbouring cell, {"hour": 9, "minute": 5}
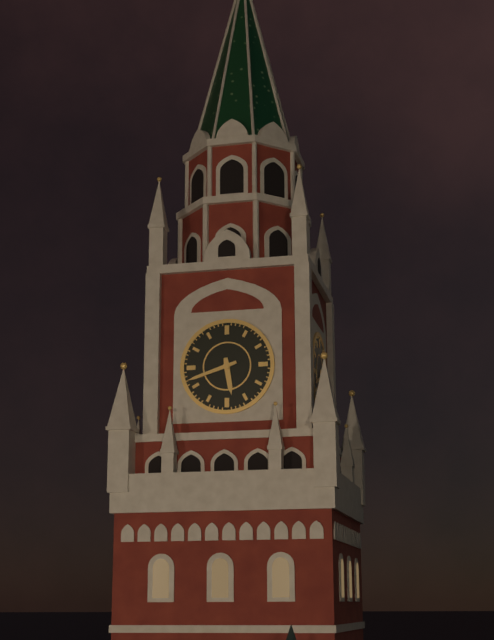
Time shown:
{"hour": 5, "minute": 42}
